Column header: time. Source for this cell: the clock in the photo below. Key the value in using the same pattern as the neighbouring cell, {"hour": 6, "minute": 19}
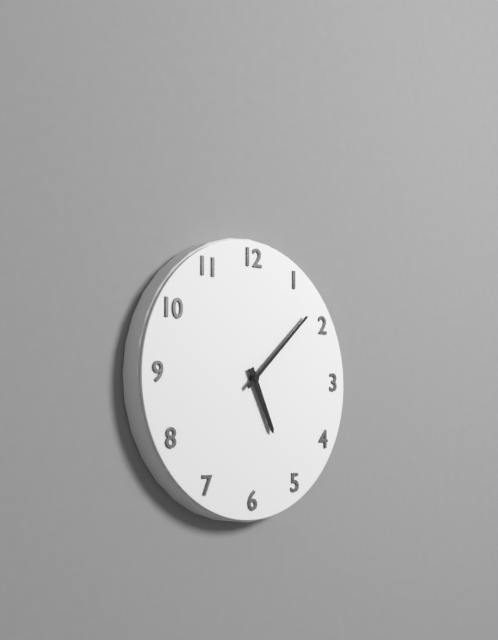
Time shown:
{"hour": 5, "minute": 8}
